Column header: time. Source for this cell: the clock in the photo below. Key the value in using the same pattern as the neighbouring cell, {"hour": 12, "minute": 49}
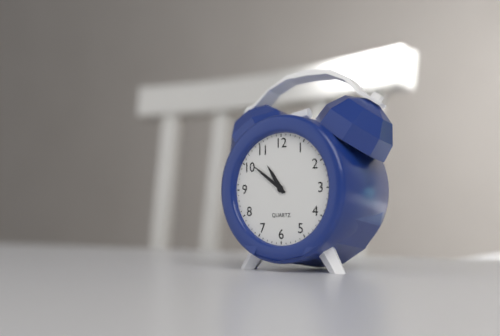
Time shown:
{"hour": 10, "minute": 51}
